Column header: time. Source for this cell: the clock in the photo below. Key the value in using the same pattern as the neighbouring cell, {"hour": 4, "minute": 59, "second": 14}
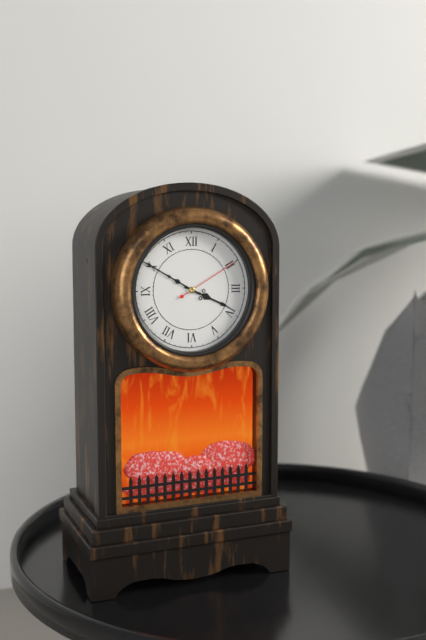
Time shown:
{"hour": 3, "minute": 50, "second": 10}
